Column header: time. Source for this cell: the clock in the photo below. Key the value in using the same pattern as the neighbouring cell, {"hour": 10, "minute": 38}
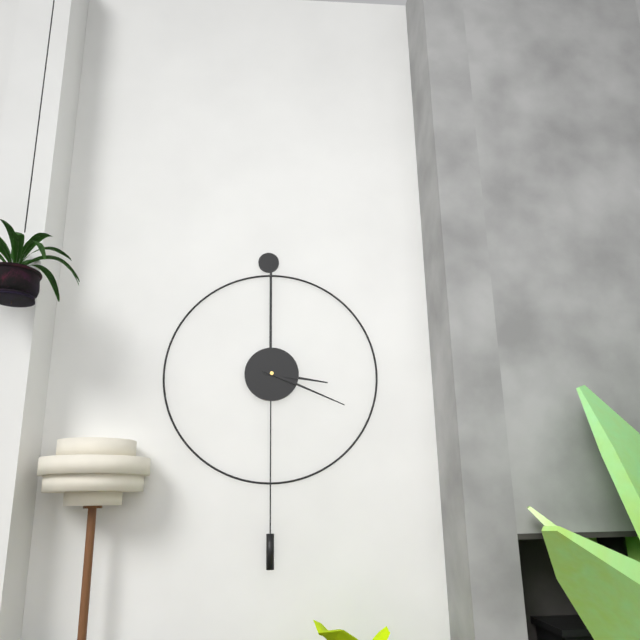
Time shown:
{"hour": 3, "minute": 19}
